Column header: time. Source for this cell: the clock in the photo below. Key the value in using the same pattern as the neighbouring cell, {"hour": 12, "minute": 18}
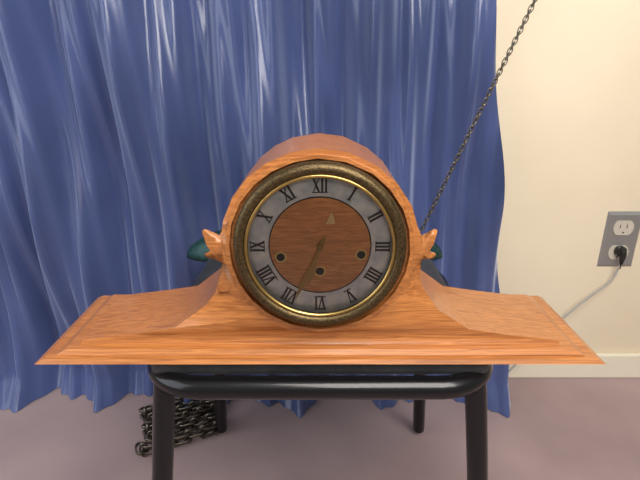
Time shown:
{"hour": 6, "minute": 34}
